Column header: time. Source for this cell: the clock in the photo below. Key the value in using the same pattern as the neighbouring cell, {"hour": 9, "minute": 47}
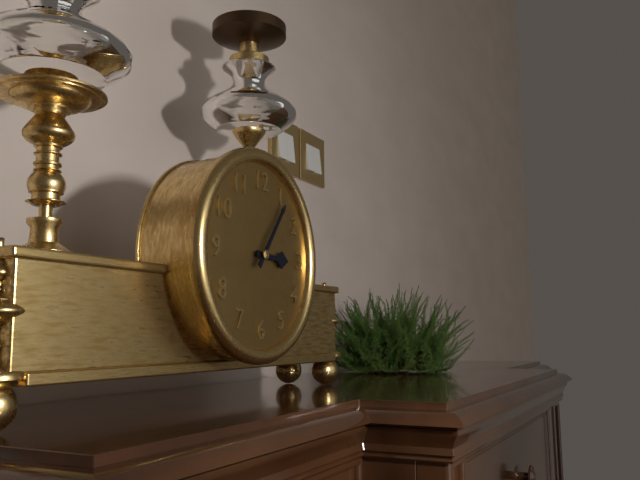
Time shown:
{"hour": 3, "minute": 6}
